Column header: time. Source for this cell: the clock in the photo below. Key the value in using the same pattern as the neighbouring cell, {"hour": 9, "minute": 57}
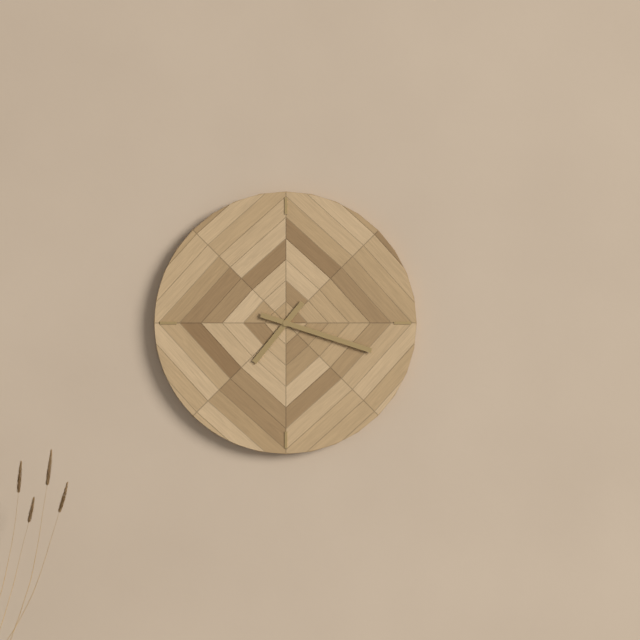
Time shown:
{"hour": 7, "minute": 18}
